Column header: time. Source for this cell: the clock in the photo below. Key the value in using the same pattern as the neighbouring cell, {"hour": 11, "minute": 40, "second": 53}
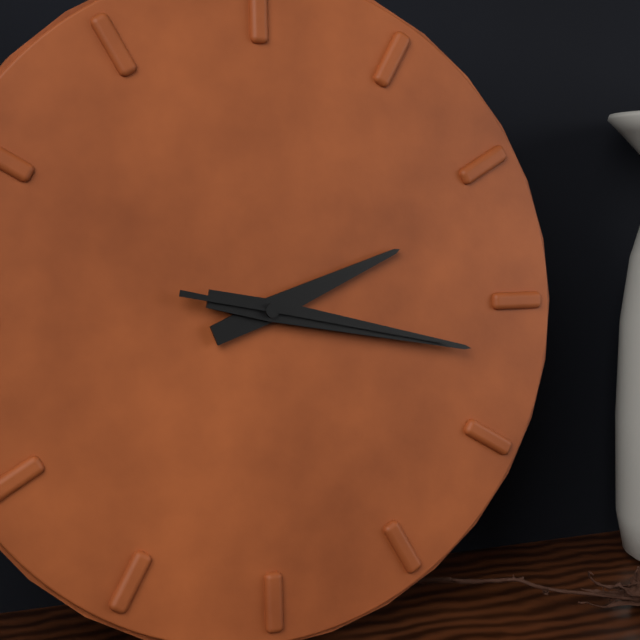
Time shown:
{"hour": 2, "minute": 17, "second": 17}
